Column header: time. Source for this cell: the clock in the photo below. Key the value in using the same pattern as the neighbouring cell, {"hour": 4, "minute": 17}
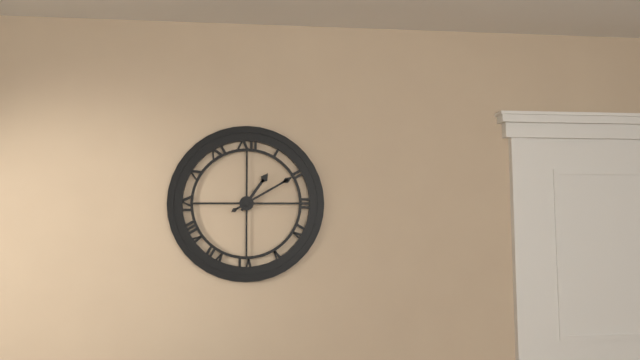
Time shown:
{"hour": 1, "minute": 10}
